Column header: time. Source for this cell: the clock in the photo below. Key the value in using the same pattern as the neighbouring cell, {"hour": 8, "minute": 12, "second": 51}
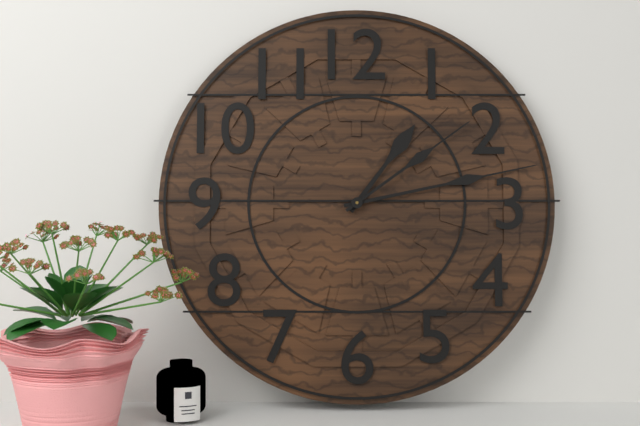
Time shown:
{"hour": 1, "minute": 13, "second": 9}
